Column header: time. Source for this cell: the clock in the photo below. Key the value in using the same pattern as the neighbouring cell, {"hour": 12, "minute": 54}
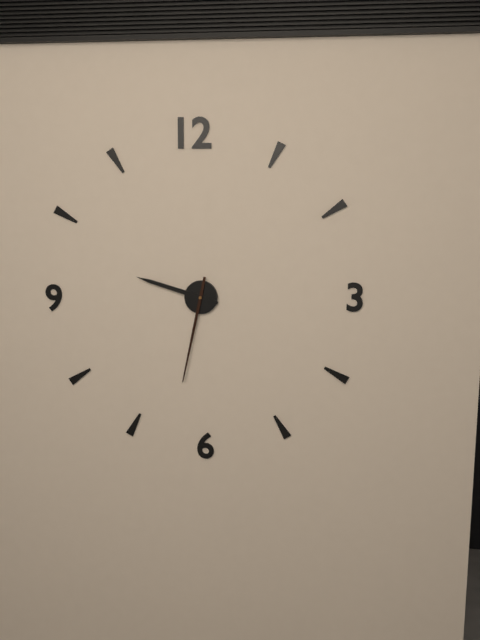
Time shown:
{"hour": 9, "minute": 32}
